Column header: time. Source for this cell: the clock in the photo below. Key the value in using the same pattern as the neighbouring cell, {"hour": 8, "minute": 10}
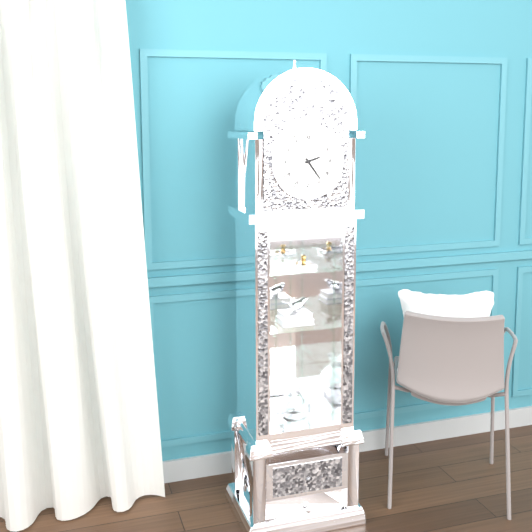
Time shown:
{"hour": 2, "minute": 24}
